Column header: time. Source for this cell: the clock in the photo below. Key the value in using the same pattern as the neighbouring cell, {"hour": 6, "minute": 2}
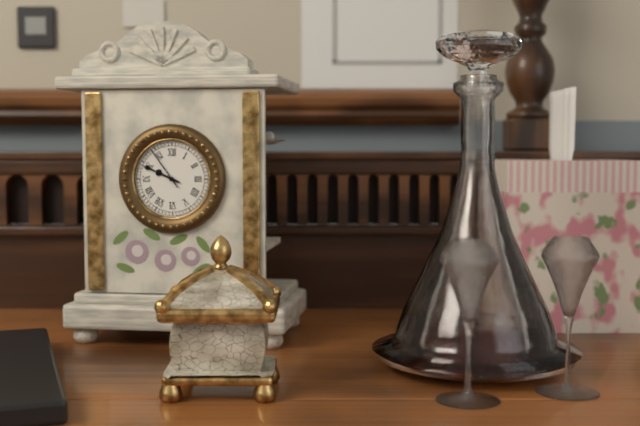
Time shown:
{"hour": 9, "minute": 49}
